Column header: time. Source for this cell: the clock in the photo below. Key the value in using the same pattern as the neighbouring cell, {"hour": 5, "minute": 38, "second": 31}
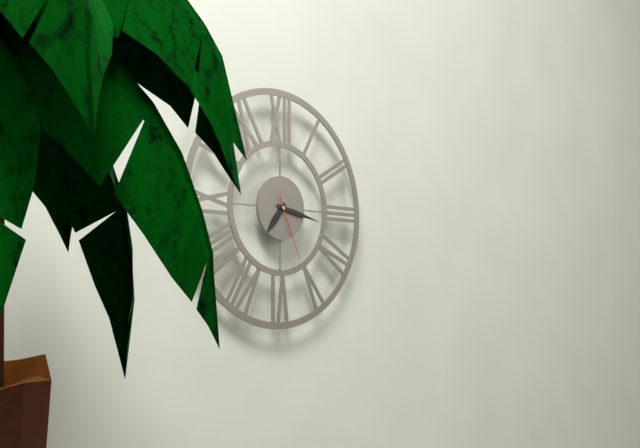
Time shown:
{"hour": 7, "minute": 17, "second": 26}
